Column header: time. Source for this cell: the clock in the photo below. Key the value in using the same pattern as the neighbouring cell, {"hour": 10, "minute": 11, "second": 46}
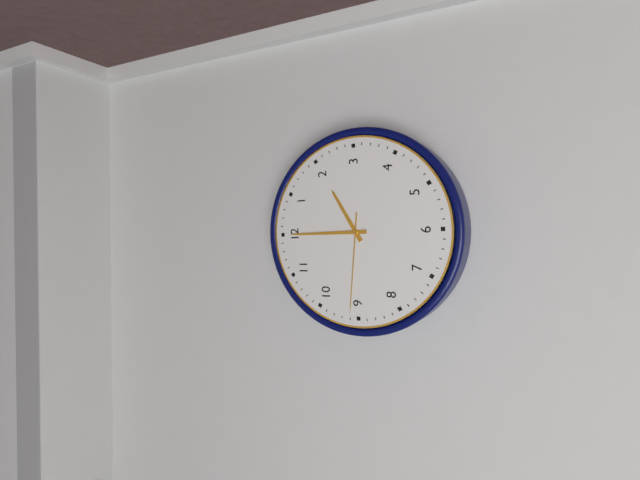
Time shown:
{"hour": 2, "minute": 0, "second": 46}
